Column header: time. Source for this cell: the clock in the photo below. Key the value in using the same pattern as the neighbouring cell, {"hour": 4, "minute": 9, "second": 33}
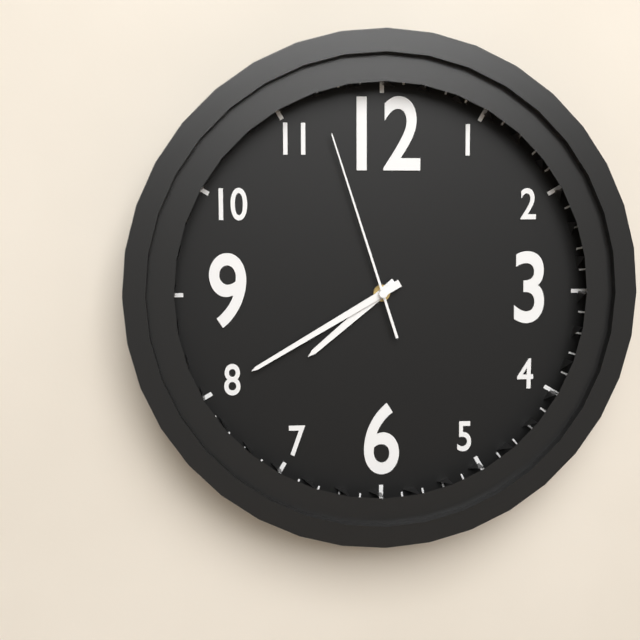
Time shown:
{"hour": 7, "minute": 40, "second": 57}
